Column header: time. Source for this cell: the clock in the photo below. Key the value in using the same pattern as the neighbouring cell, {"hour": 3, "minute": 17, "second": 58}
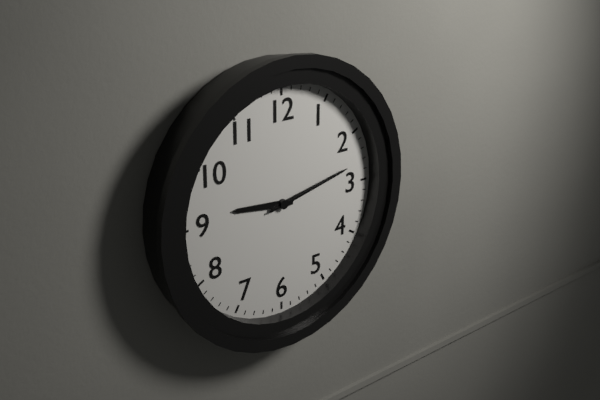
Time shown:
{"hour": 9, "minute": 13, "second": 13}
